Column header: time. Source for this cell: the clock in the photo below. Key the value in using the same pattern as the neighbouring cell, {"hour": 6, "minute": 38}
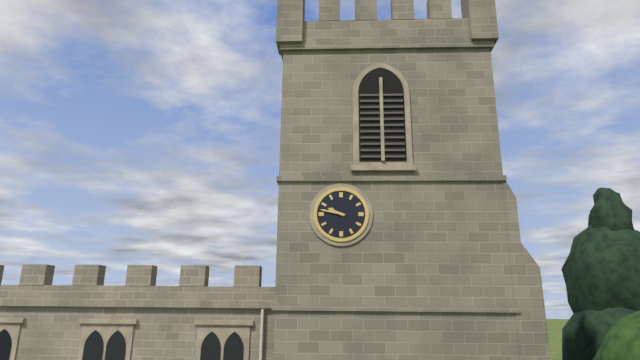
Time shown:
{"hour": 9, "minute": 47}
